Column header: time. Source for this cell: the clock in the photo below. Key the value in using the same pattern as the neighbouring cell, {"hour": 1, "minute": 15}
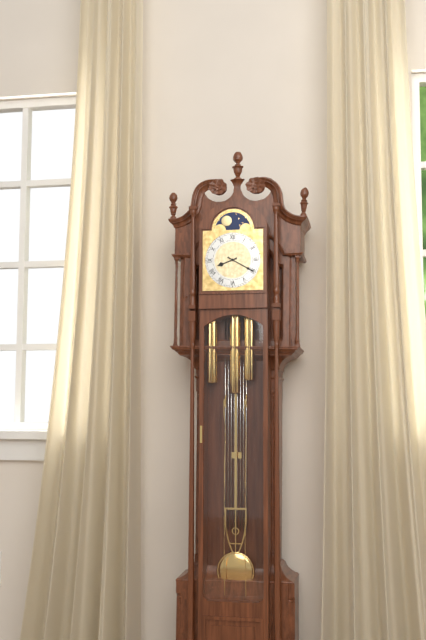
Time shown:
{"hour": 8, "minute": 20}
